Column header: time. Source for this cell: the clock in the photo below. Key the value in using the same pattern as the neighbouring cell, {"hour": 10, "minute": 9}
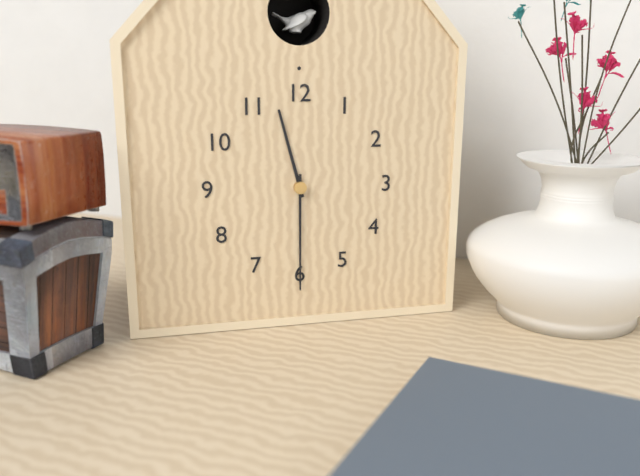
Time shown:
{"hour": 11, "minute": 30}
